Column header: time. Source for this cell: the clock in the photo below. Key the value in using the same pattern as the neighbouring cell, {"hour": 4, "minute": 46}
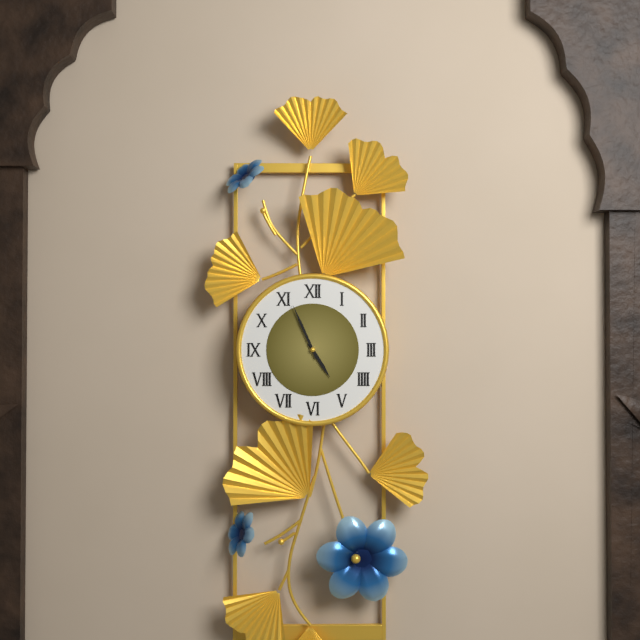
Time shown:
{"hour": 4, "minute": 56}
